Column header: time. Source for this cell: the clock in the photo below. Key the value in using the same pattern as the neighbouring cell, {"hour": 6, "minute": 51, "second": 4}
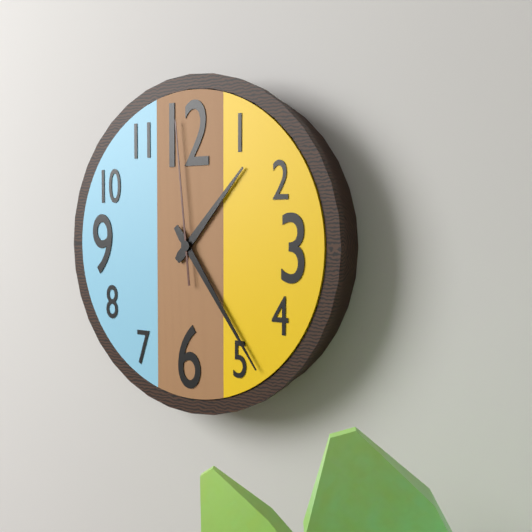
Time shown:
{"hour": 1, "minute": 24, "second": 59}
